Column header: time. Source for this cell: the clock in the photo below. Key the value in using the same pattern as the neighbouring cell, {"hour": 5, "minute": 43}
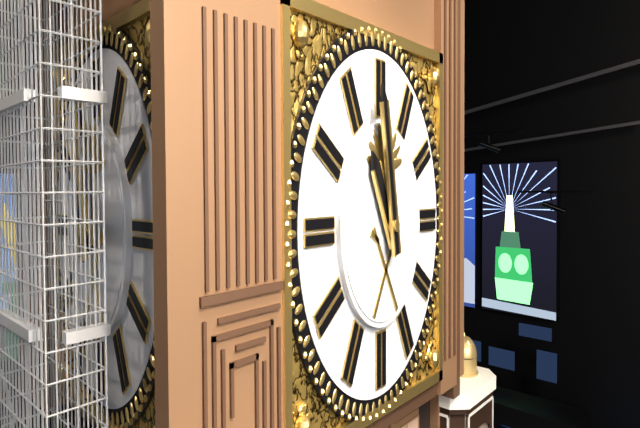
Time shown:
{"hour": 10, "minute": 58}
